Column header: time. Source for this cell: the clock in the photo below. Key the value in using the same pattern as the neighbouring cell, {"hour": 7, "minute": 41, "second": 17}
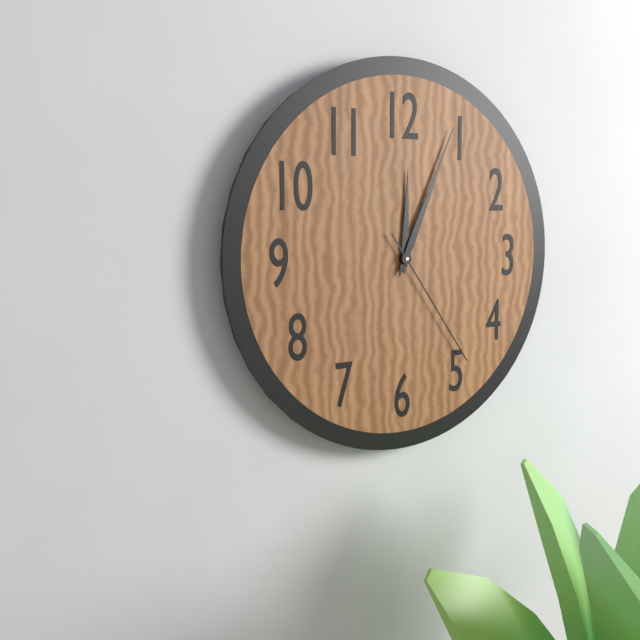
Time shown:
{"hour": 12, "minute": 4, "second": 24}
